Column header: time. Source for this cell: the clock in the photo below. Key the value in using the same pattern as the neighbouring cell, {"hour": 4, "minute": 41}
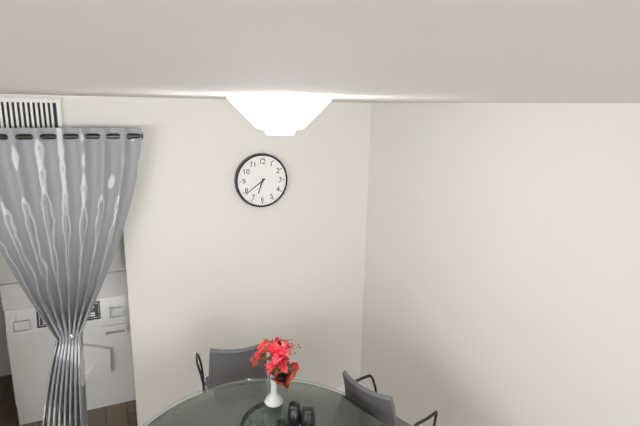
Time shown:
{"hour": 6, "minute": 39}
